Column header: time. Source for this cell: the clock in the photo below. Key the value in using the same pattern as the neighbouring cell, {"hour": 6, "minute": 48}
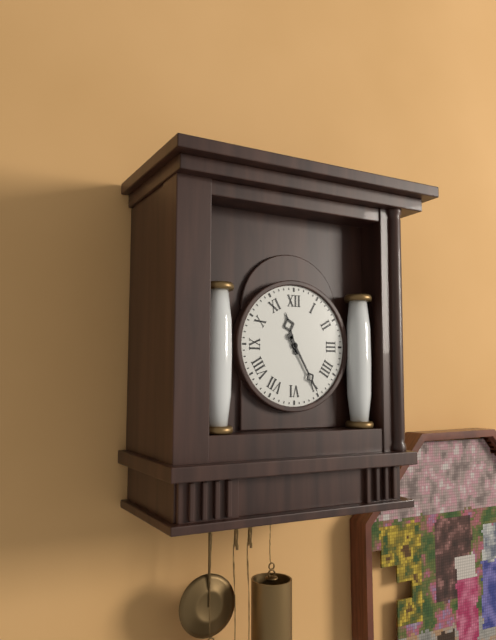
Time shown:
{"hour": 11, "minute": 25}
